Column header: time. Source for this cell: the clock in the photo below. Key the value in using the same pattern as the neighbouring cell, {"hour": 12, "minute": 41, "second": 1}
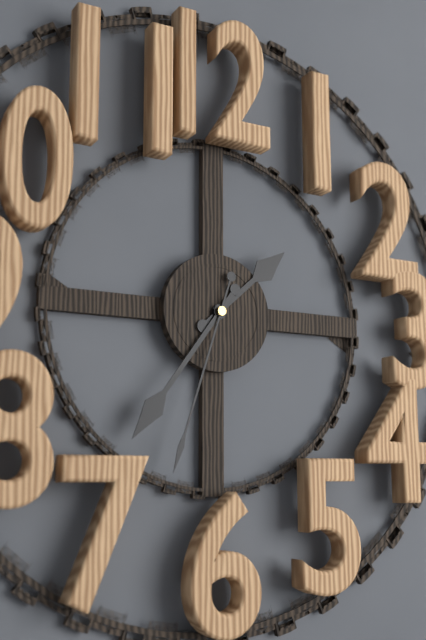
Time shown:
{"hour": 1, "minute": 36, "second": 33}
